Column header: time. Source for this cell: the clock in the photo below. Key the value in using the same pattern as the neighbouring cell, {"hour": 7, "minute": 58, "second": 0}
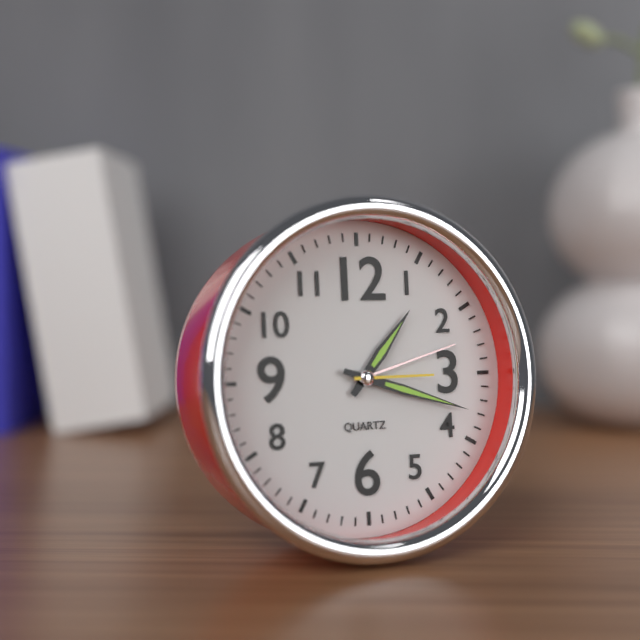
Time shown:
{"hour": 1, "minute": 18, "second": 15}
